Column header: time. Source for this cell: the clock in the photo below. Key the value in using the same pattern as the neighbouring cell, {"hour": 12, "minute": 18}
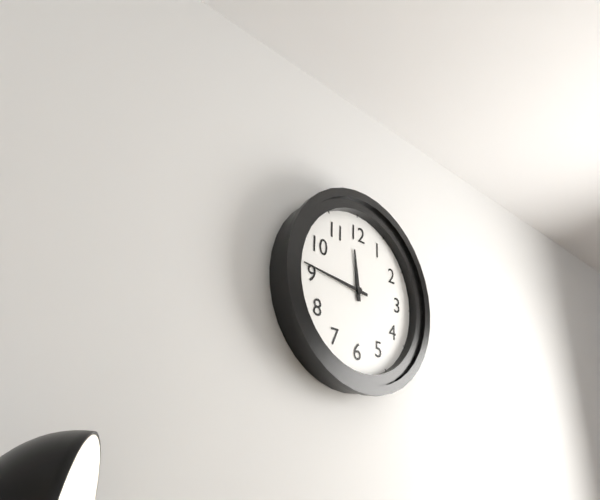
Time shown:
{"hour": 11, "minute": 46}
